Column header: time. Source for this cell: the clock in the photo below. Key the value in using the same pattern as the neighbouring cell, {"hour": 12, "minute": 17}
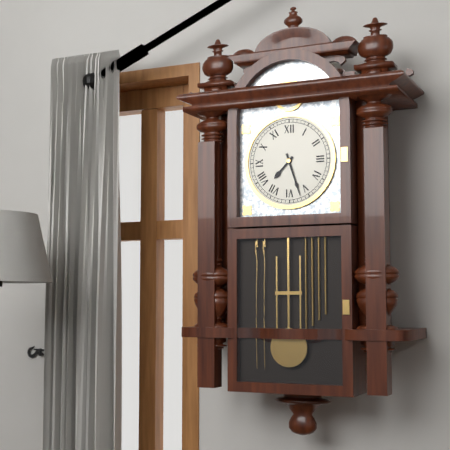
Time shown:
{"hour": 7, "minute": 27}
